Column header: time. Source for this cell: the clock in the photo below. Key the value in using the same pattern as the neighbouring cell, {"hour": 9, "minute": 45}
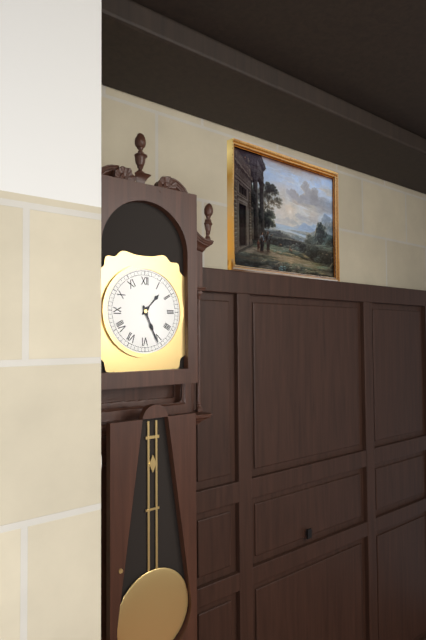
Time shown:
{"hour": 1, "minute": 26}
